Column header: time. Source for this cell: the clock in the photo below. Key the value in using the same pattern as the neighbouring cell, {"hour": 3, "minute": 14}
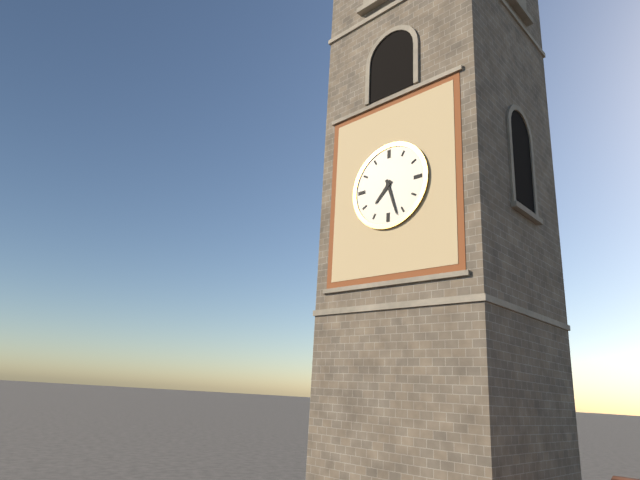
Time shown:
{"hour": 7, "minute": 27}
